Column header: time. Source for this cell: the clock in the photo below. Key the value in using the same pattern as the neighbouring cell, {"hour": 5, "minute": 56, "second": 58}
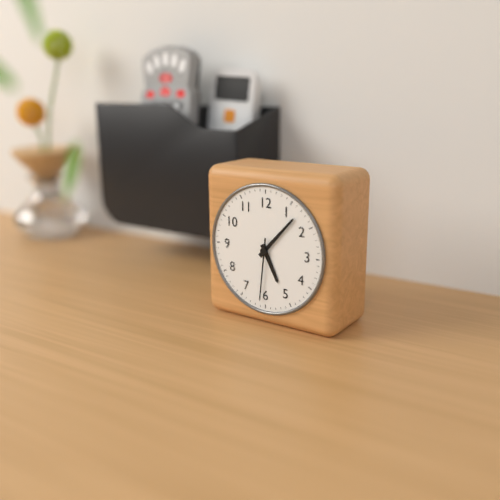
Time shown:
{"hour": 5, "minute": 7, "second": 31}
